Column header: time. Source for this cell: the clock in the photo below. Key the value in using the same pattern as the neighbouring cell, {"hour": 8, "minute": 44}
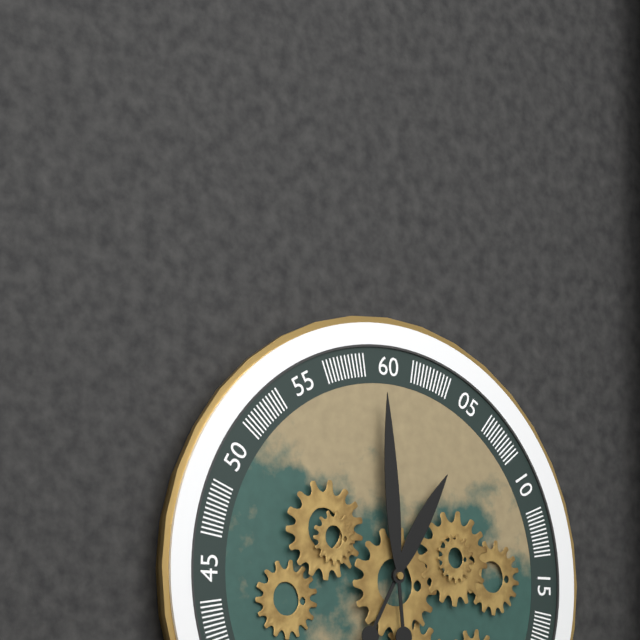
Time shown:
{"hour": 12, "minute": 59}
